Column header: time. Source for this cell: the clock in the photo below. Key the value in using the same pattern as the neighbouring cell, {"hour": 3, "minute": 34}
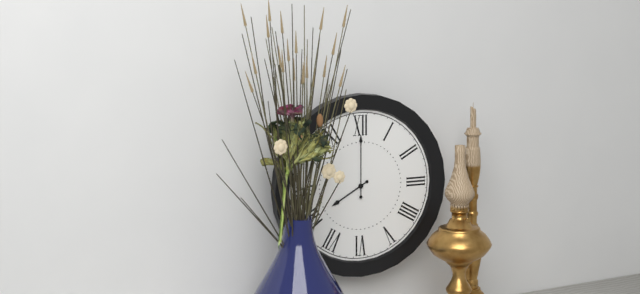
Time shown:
{"hour": 8, "minute": 0}
